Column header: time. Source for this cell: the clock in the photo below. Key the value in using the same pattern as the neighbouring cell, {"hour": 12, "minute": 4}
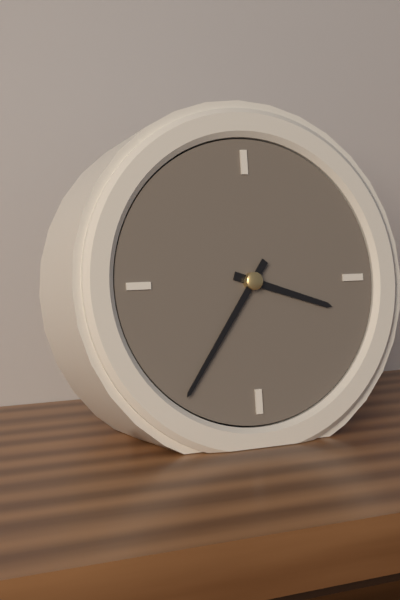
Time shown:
{"hour": 3, "minute": 36}
